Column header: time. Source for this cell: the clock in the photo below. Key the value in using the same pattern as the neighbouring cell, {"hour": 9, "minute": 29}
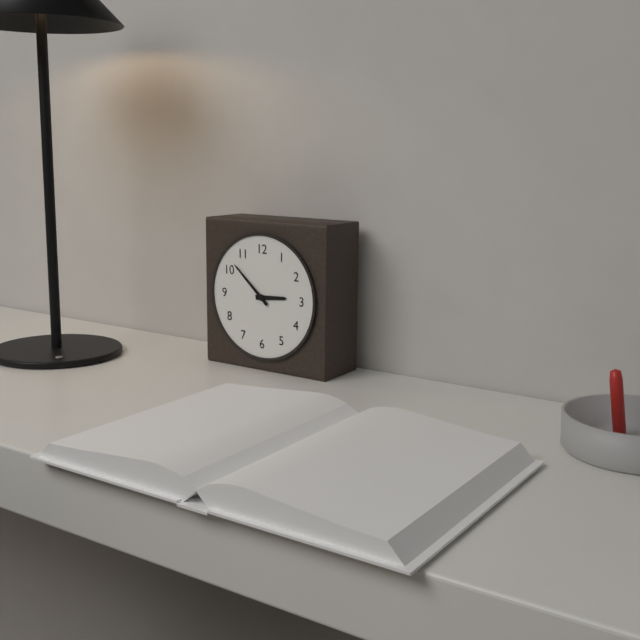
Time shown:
{"hour": 2, "minute": 52}
